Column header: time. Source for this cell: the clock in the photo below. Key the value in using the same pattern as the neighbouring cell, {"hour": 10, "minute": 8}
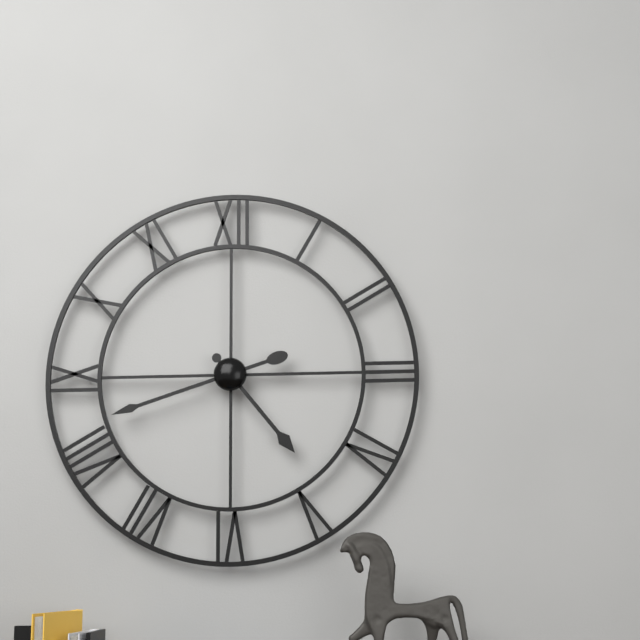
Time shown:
{"hour": 4, "minute": 42}
